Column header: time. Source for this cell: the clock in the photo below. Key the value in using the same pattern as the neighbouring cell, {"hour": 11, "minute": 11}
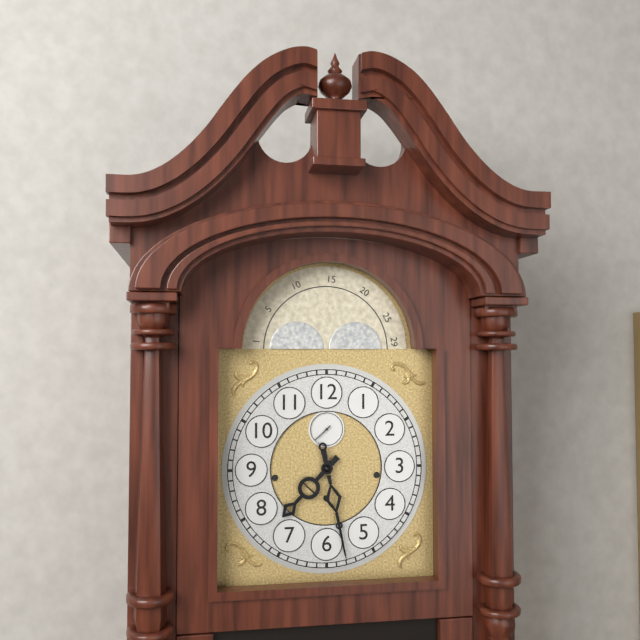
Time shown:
{"hour": 7, "minute": 28}
